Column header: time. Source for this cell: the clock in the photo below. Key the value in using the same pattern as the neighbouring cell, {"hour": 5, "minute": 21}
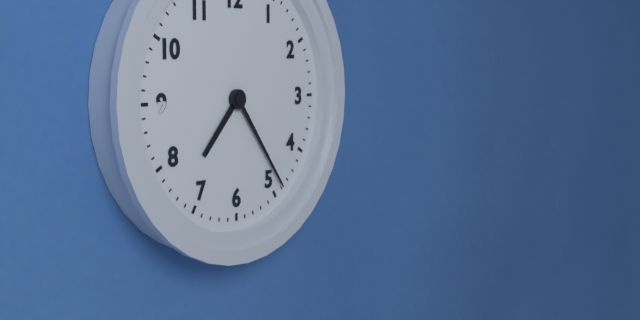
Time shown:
{"hour": 7, "minute": 24}
